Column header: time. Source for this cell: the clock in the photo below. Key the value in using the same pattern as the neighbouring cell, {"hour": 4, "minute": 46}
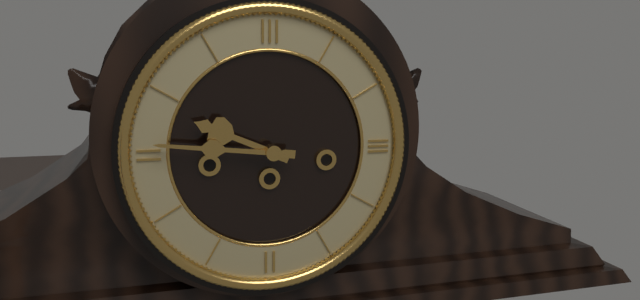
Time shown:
{"hour": 9, "minute": 46}
